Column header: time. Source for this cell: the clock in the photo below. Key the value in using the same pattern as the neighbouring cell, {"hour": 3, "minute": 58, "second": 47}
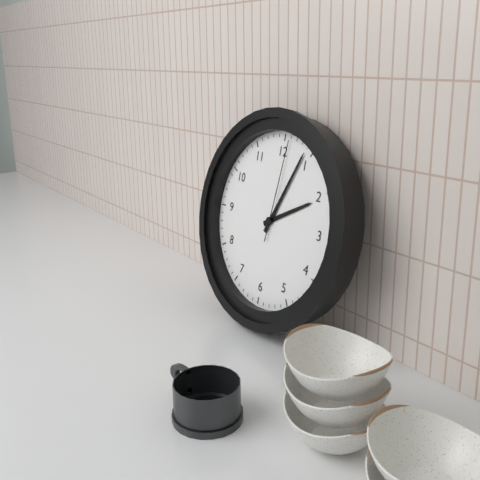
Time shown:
{"hour": 2, "minute": 4, "second": 1}
